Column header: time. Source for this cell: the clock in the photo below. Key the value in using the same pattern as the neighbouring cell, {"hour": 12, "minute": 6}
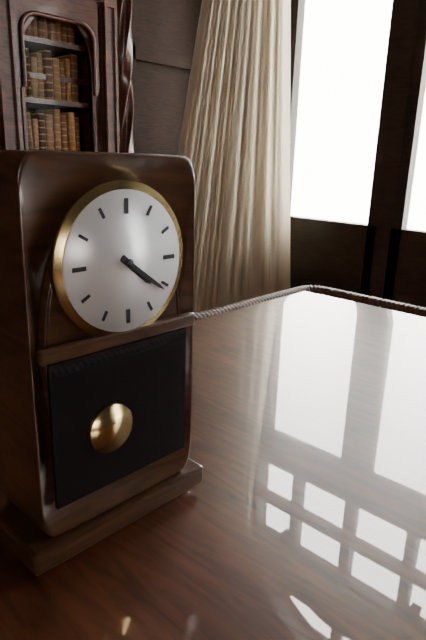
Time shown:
{"hour": 4, "minute": 21}
